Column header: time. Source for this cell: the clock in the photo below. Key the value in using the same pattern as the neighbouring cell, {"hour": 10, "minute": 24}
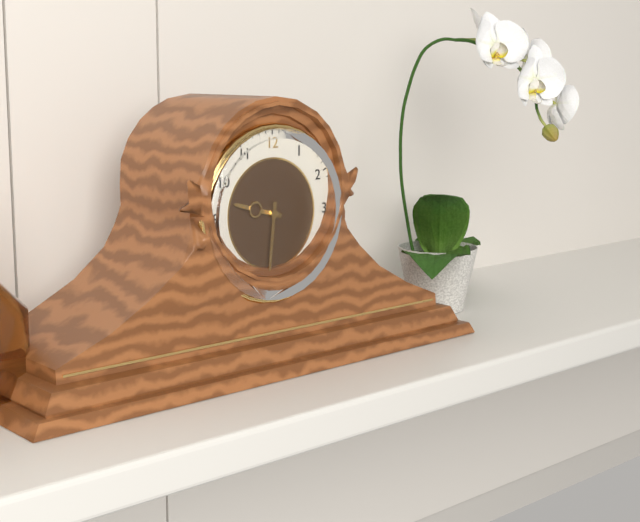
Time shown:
{"hour": 9, "minute": 31}
